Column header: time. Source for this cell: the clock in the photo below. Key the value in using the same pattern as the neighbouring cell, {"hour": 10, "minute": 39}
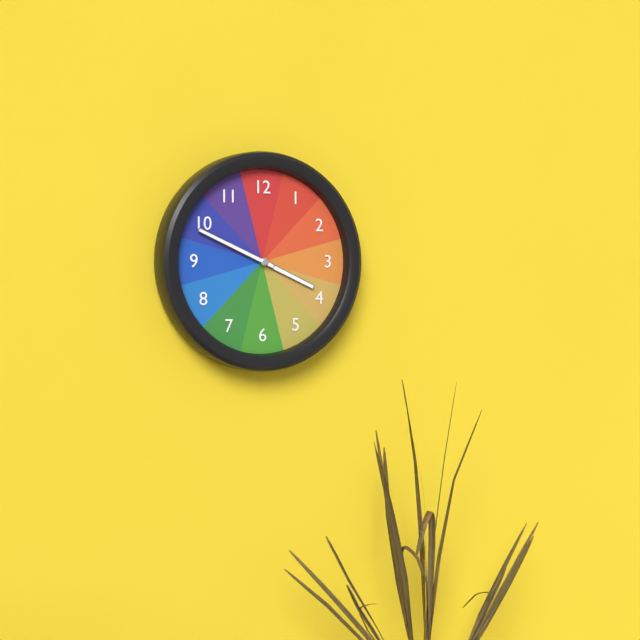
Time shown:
{"hour": 3, "minute": 49}
